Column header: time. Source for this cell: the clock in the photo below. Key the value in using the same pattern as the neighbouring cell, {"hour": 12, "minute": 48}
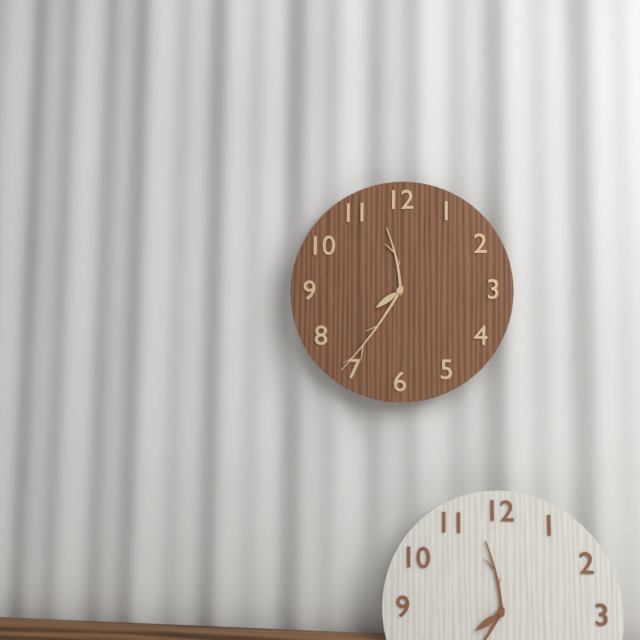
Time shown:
{"hour": 11, "minute": 36}
